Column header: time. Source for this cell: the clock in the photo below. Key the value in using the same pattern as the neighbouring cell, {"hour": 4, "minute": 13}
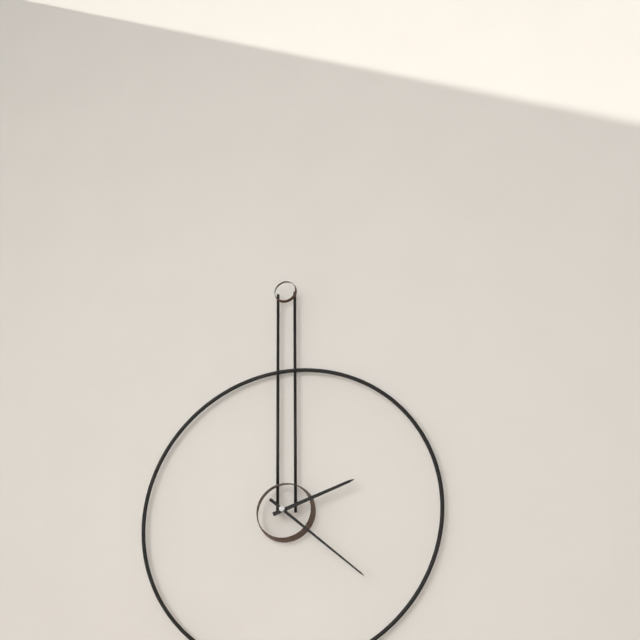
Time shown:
{"hour": 2, "minute": 22}
